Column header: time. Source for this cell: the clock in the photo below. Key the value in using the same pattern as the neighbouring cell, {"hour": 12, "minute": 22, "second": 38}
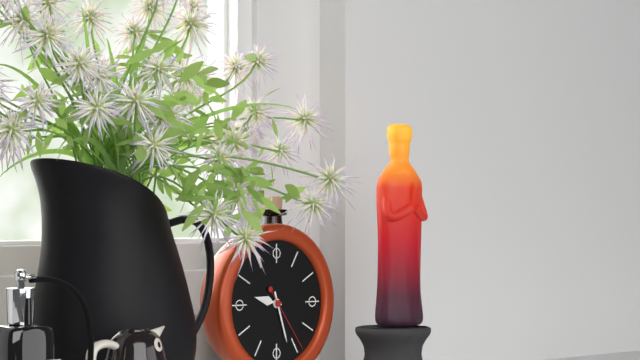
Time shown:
{"hour": 9, "minute": 27, "second": 24}
